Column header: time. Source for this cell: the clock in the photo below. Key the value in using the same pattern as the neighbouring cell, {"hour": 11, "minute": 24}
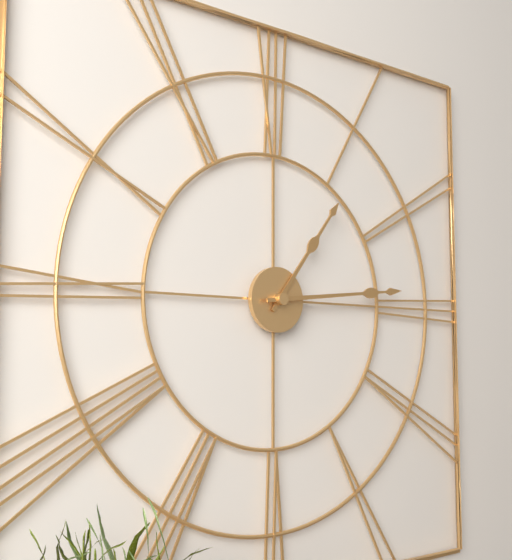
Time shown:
{"hour": 1, "minute": 14}
